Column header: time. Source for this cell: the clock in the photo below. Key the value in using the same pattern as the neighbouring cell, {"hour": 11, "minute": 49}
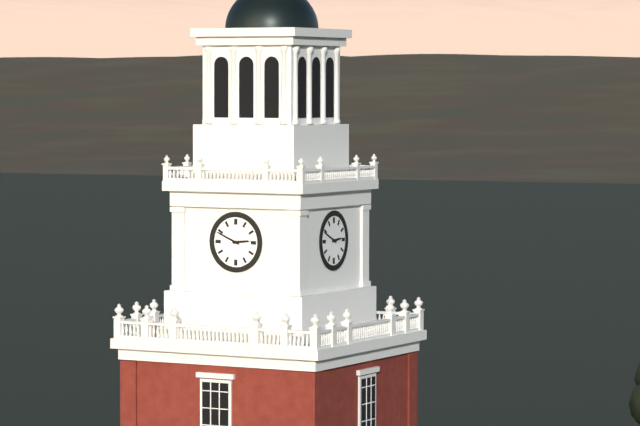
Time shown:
{"hour": 2, "minute": 49}
